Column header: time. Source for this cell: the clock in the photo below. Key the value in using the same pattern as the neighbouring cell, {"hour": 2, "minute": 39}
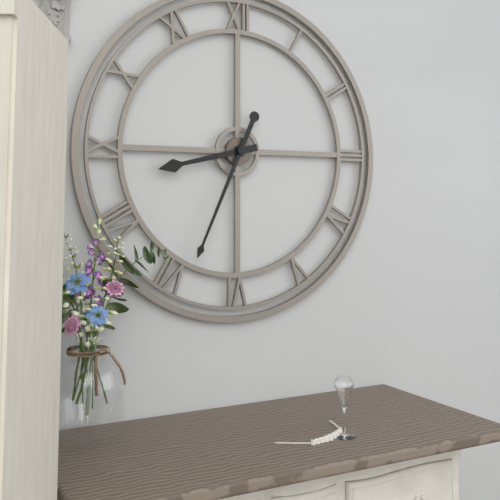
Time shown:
{"hour": 8, "minute": 34}
